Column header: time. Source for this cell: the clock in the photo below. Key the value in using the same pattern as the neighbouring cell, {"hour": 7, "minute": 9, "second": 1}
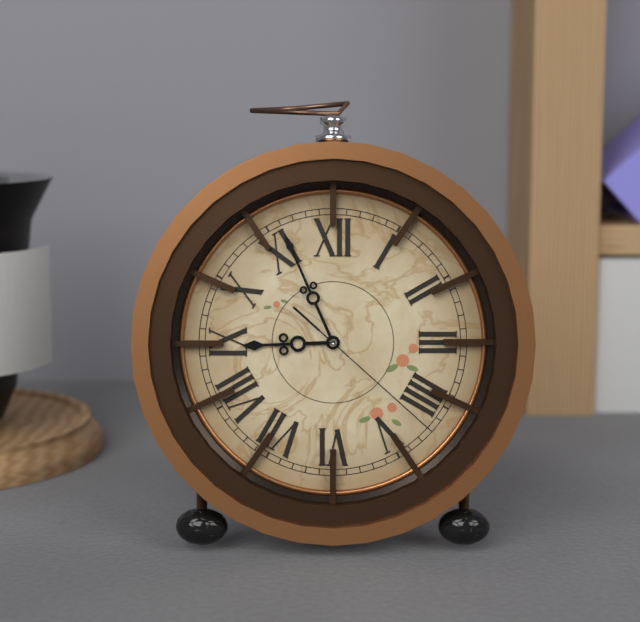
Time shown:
{"hour": 8, "minute": 56, "second": 22}
